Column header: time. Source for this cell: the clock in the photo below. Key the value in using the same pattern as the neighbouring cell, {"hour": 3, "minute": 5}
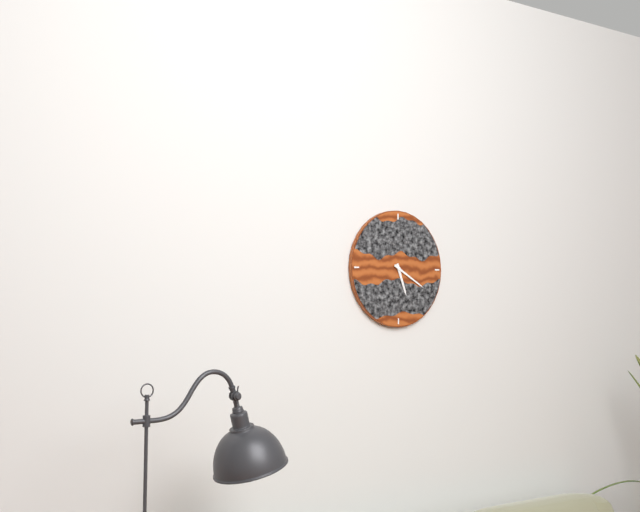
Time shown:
{"hour": 5, "minute": 20}
